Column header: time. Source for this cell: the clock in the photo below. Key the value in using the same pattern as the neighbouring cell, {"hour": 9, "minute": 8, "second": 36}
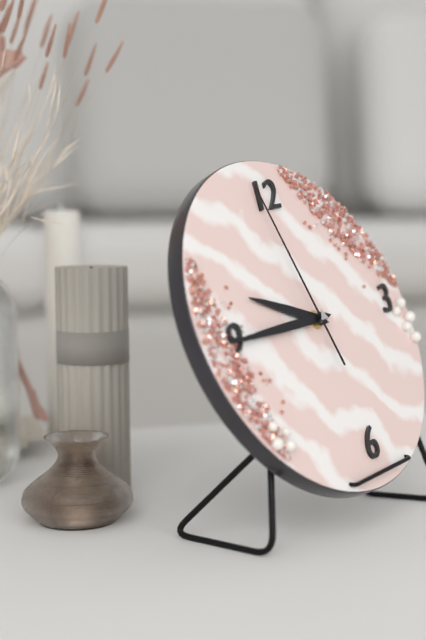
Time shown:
{"hour": 9, "minute": 45, "second": 59}
